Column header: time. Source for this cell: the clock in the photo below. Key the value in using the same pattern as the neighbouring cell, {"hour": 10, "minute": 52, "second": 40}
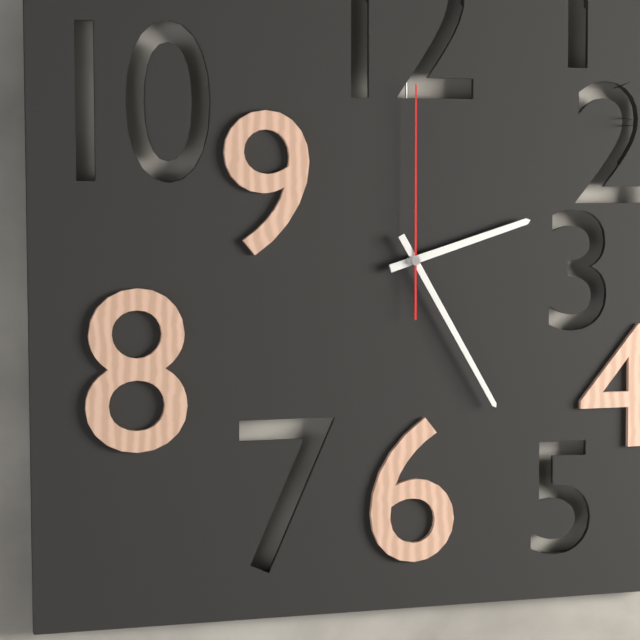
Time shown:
{"hour": 2, "minute": 25, "second": 0}
